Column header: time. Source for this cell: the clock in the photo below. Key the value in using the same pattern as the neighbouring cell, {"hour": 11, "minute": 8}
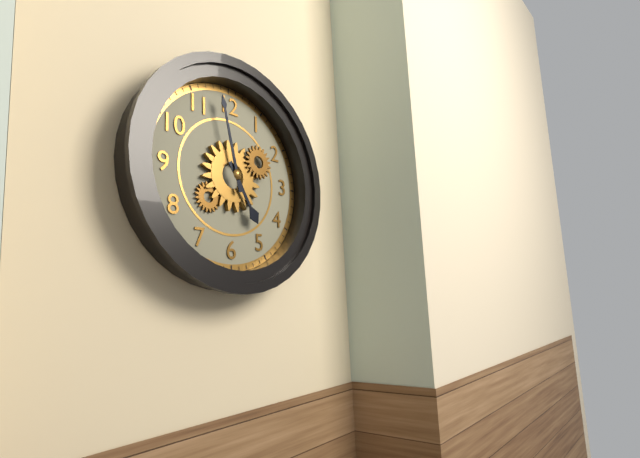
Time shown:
{"hour": 4, "minute": 58}
